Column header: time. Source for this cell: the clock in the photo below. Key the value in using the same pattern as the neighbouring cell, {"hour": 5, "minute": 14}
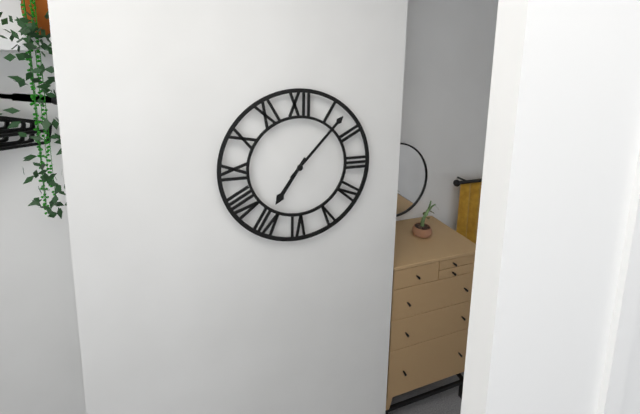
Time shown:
{"hour": 7, "minute": 7}
